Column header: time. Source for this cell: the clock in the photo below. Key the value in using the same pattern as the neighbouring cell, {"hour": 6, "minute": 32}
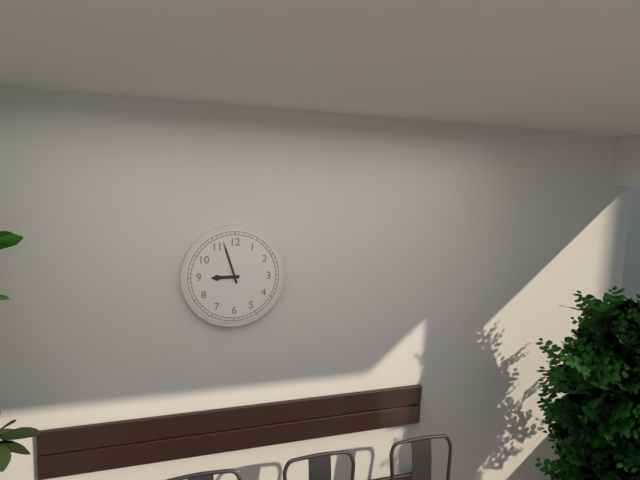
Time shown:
{"hour": 8, "minute": 57}
